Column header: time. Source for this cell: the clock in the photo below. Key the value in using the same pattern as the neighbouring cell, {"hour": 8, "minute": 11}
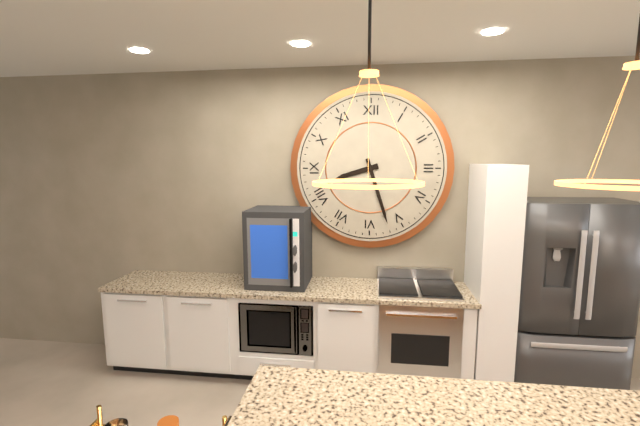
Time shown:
{"hour": 8, "minute": 27}
